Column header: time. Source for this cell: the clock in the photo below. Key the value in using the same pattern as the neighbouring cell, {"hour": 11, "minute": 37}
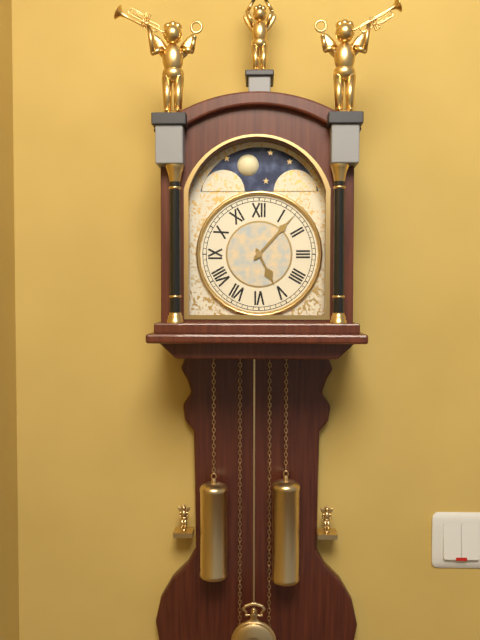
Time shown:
{"hour": 5, "minute": 7}
